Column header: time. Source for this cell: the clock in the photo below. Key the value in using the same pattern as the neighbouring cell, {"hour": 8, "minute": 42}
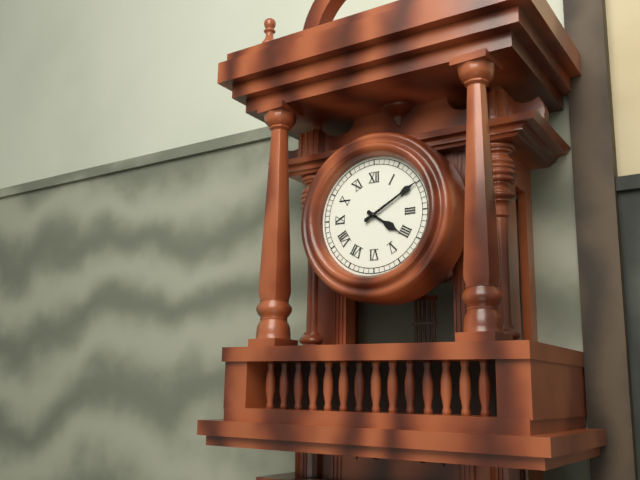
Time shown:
{"hour": 4, "minute": 10}
